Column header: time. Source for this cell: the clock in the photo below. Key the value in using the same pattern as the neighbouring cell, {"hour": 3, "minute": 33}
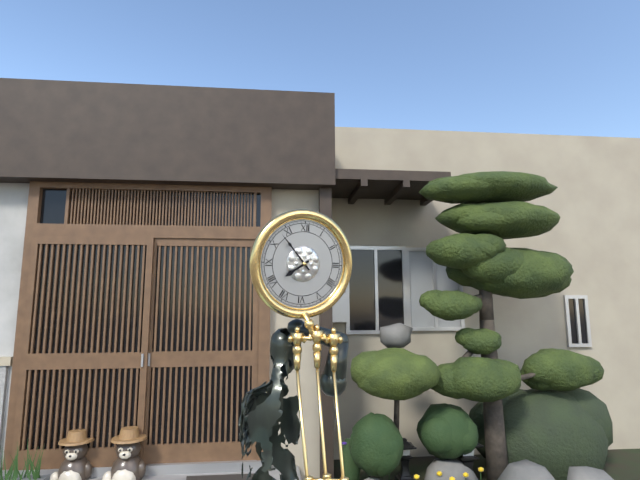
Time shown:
{"hour": 7, "minute": 53}
